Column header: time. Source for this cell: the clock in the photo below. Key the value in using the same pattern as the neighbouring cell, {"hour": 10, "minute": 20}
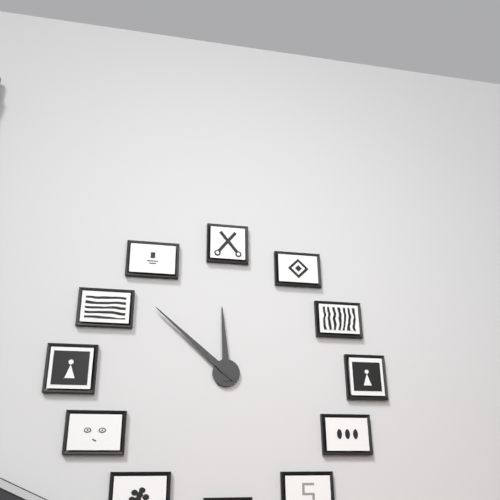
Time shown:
{"hour": 11, "minute": 52}
